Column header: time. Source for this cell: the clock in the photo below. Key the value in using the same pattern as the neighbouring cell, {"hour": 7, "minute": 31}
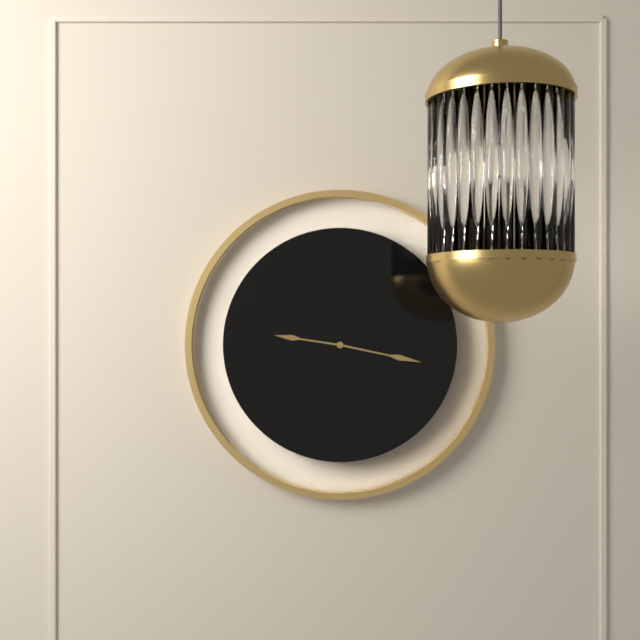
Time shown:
{"hour": 9, "minute": 17}
